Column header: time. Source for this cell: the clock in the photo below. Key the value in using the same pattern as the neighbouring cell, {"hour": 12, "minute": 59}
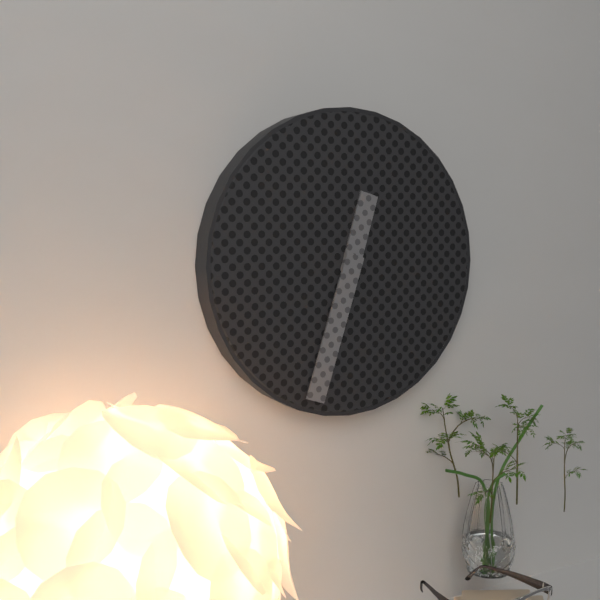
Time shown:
{"hour": 12, "minute": 33}
